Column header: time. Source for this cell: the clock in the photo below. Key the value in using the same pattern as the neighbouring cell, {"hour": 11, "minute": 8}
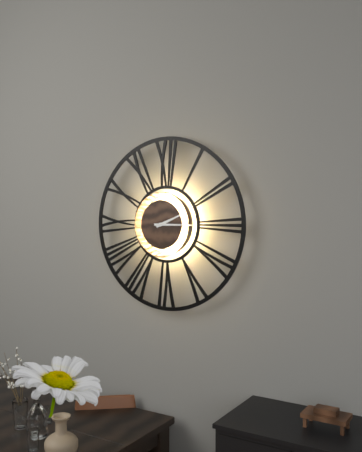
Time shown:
{"hour": 2, "minute": 15}
